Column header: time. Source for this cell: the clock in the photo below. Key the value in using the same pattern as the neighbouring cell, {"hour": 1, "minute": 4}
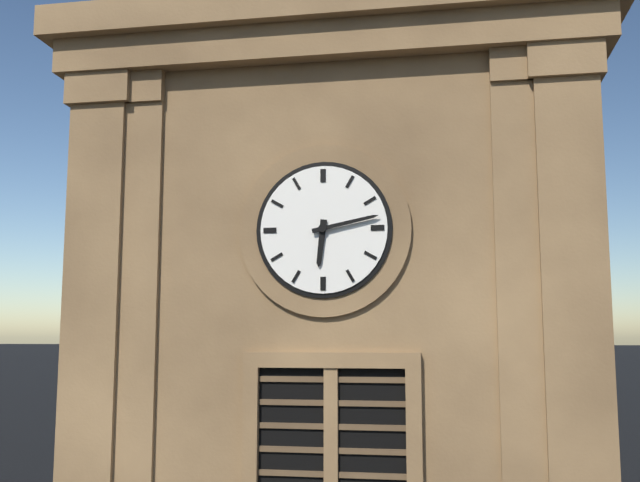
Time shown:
{"hour": 6, "minute": 13}
